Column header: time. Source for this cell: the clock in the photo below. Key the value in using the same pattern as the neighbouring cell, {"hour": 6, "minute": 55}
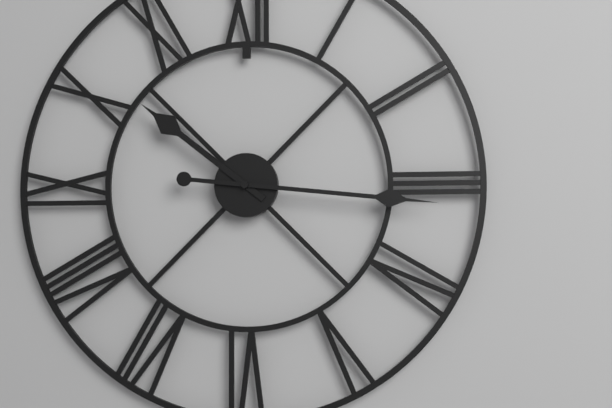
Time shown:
{"hour": 10, "minute": 16}
